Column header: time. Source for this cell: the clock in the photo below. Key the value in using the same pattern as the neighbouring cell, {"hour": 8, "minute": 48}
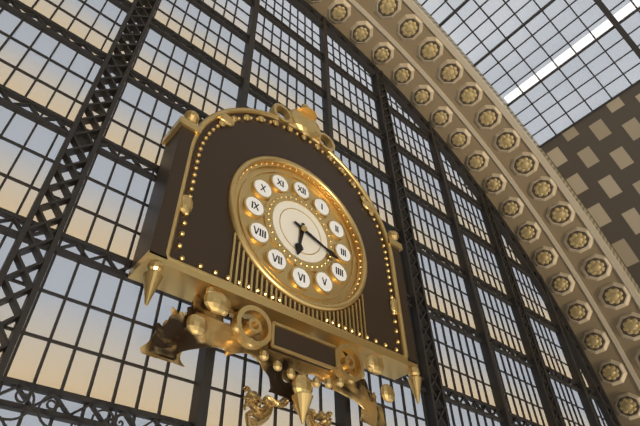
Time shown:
{"hour": 6, "minute": 18}
